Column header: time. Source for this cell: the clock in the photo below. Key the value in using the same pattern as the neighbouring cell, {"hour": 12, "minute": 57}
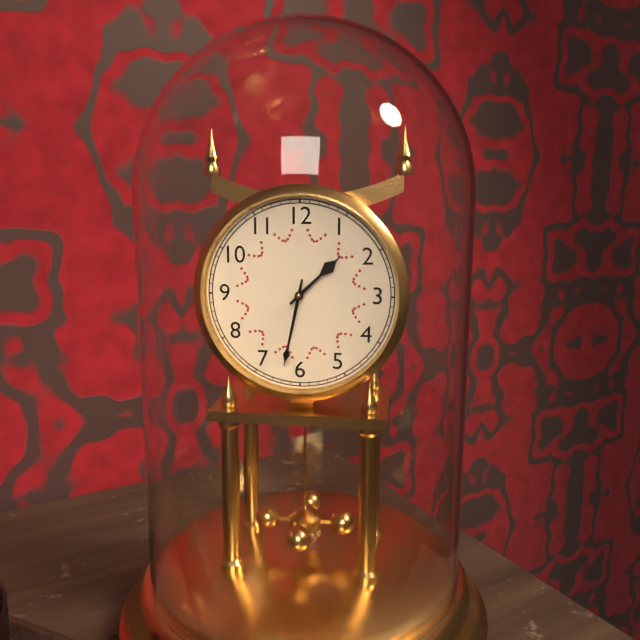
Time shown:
{"hour": 1, "minute": 32}
